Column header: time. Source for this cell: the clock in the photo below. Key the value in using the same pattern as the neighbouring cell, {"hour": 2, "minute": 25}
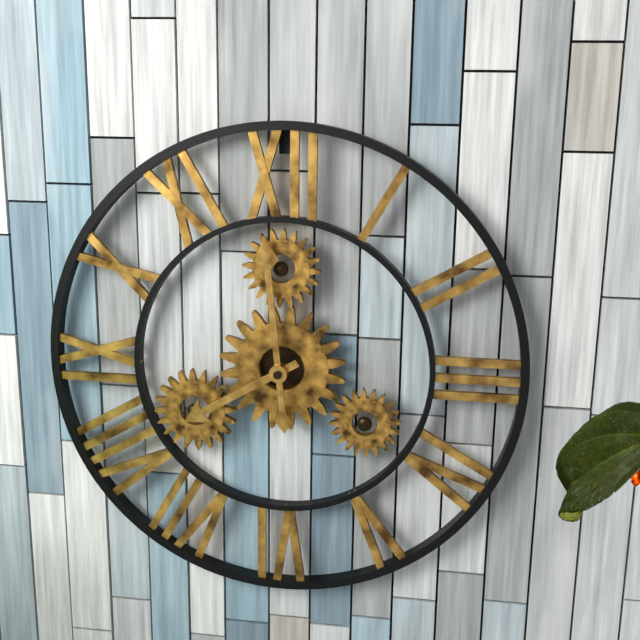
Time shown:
{"hour": 7, "minute": 59}
